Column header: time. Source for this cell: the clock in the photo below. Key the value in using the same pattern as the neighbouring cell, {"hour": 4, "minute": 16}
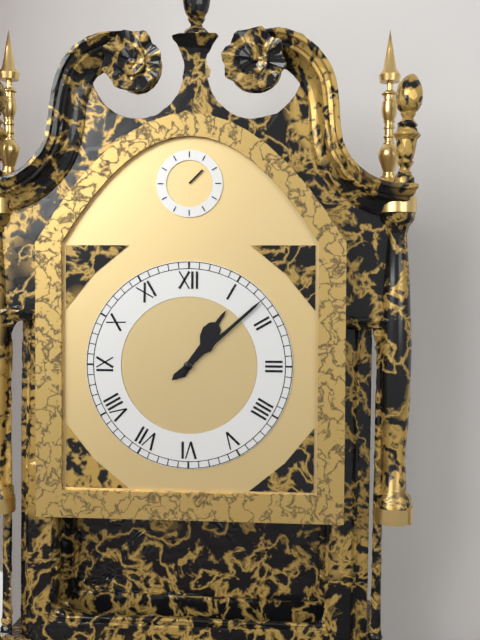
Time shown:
{"hour": 1, "minute": 8}
